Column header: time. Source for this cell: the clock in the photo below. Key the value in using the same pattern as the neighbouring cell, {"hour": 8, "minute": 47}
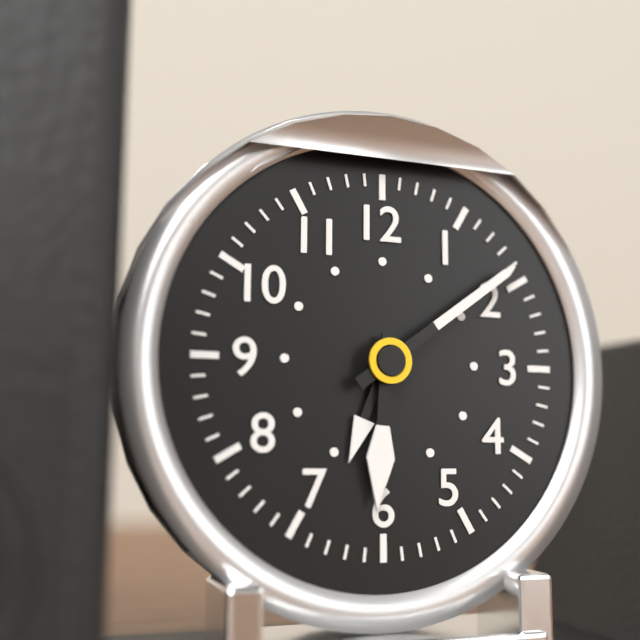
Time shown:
{"hour": 6, "minute": 9}
